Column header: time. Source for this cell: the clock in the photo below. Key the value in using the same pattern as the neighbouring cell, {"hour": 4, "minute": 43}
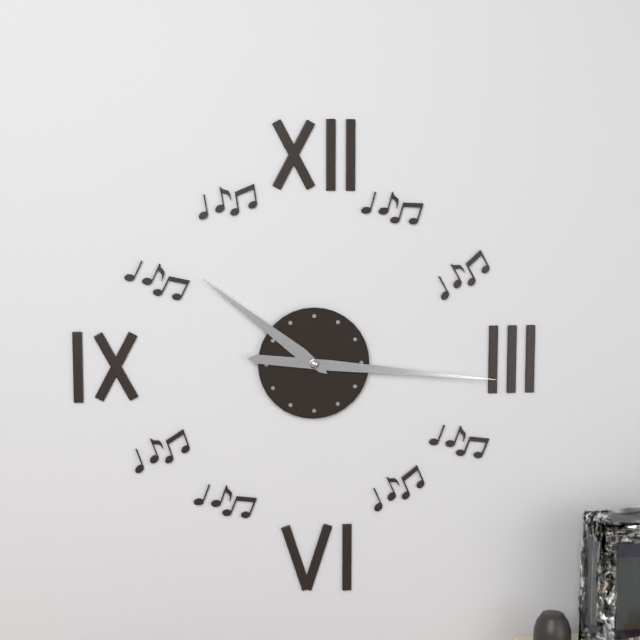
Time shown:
{"hour": 10, "minute": 16}
